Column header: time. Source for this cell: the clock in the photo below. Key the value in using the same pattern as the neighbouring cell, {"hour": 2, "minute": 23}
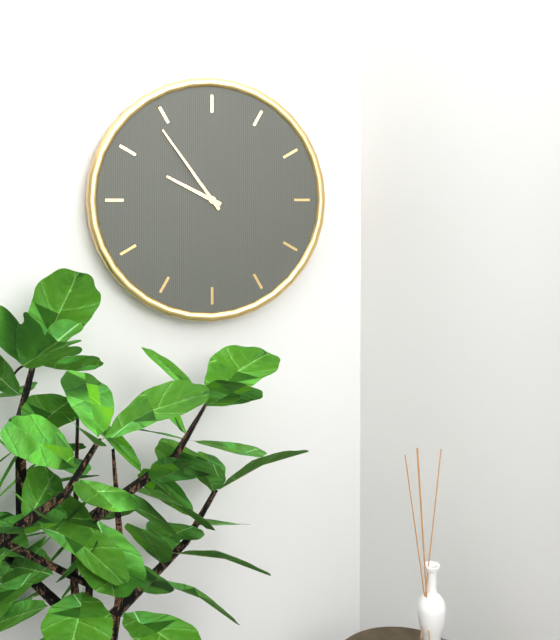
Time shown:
{"hour": 9, "minute": 54}
